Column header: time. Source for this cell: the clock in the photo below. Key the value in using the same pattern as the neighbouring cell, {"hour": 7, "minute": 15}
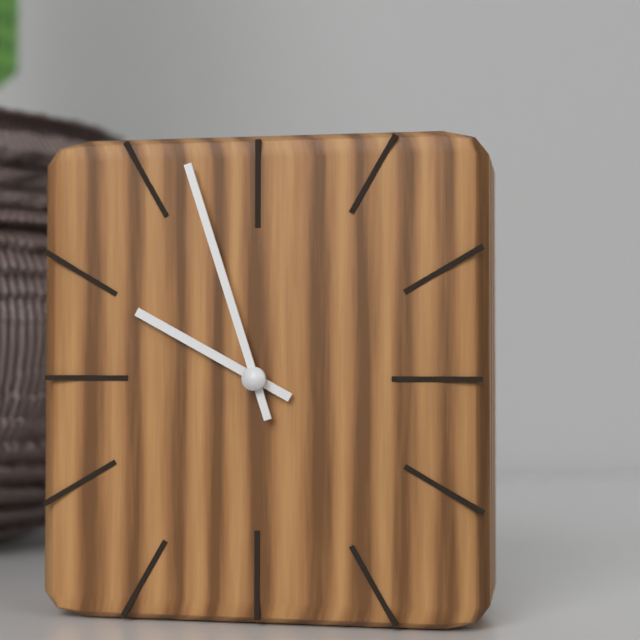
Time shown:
{"hour": 9, "minute": 57}
